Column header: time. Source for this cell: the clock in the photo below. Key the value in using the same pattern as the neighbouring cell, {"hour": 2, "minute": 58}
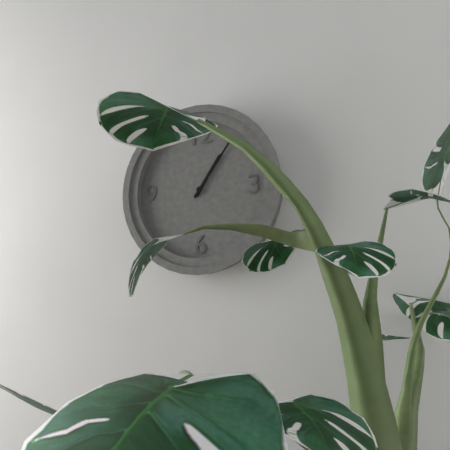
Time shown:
{"hour": 1, "minute": 6}
